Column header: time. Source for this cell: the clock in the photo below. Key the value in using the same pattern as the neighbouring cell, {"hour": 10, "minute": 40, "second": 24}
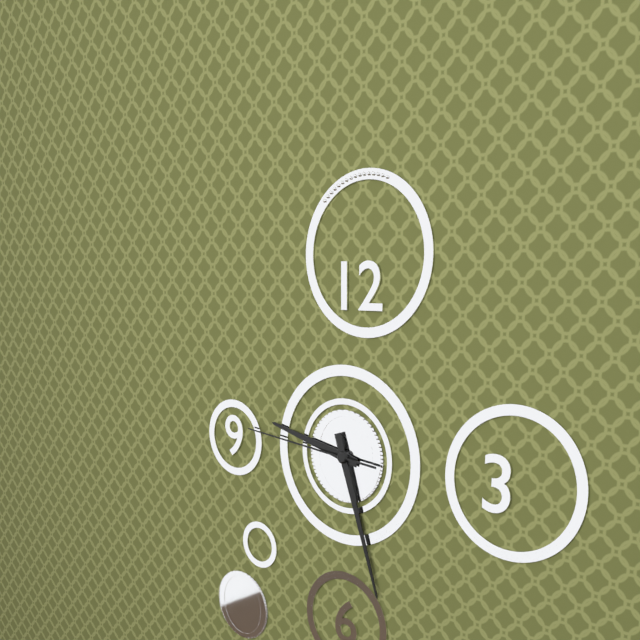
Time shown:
{"hour": 9, "minute": 27, "second": 46}
